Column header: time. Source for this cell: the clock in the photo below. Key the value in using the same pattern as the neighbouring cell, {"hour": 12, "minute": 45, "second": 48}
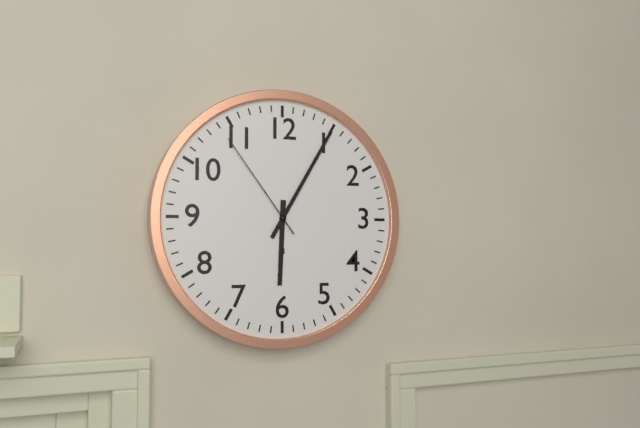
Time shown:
{"hour": 6, "minute": 5, "second": 54}
